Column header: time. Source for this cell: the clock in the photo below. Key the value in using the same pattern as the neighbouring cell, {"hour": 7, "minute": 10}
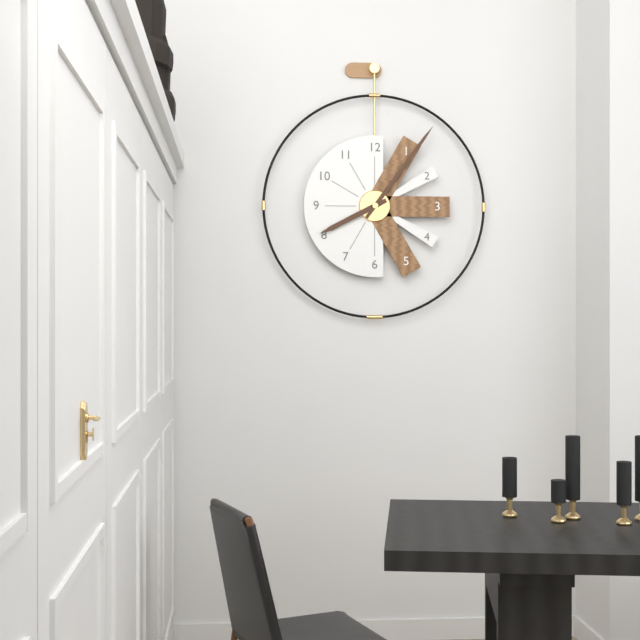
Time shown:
{"hour": 8, "minute": 6}
